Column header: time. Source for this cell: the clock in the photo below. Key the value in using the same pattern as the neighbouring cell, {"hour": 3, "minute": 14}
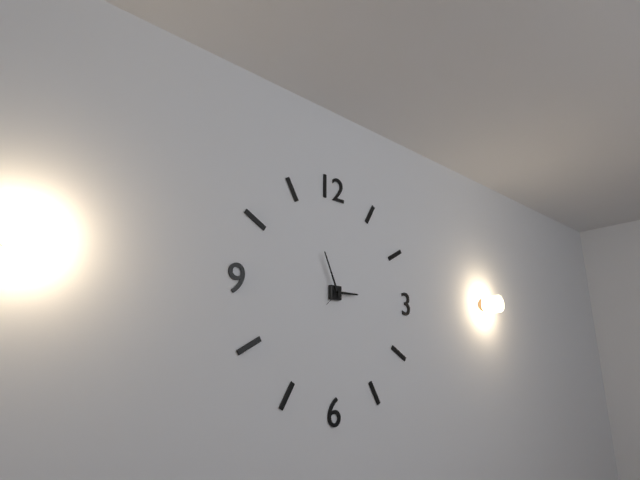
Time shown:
{"hour": 2, "minute": 56}
